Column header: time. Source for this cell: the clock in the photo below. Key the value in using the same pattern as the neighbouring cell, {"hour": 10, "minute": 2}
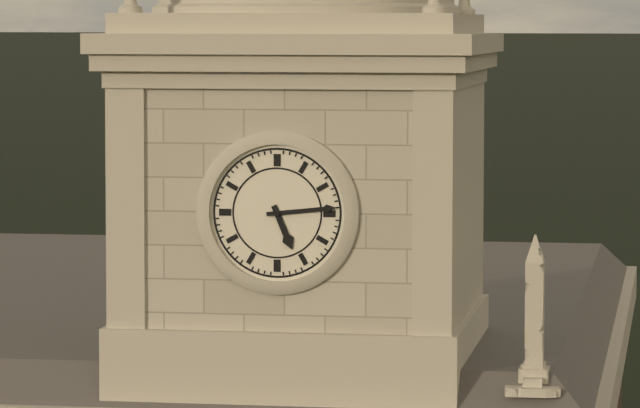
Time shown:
{"hour": 5, "minute": 14}
